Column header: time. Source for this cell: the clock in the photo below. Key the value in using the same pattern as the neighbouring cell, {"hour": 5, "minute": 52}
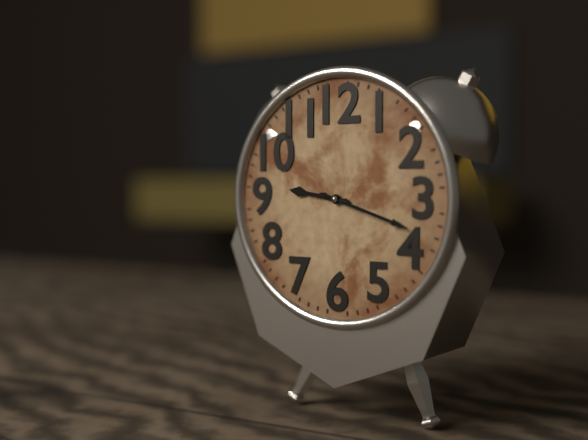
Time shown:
{"hour": 9, "minute": 18}
